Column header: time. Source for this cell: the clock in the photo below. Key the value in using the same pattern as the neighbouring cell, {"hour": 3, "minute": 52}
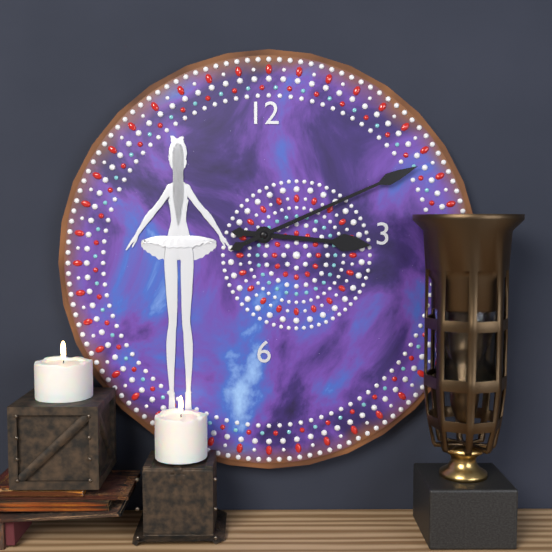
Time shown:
{"hour": 3, "minute": 11}
